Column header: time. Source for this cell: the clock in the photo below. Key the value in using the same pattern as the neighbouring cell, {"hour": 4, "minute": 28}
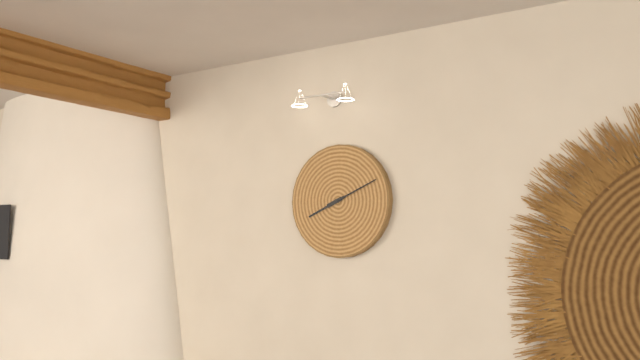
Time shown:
{"hour": 8, "minute": 11}
